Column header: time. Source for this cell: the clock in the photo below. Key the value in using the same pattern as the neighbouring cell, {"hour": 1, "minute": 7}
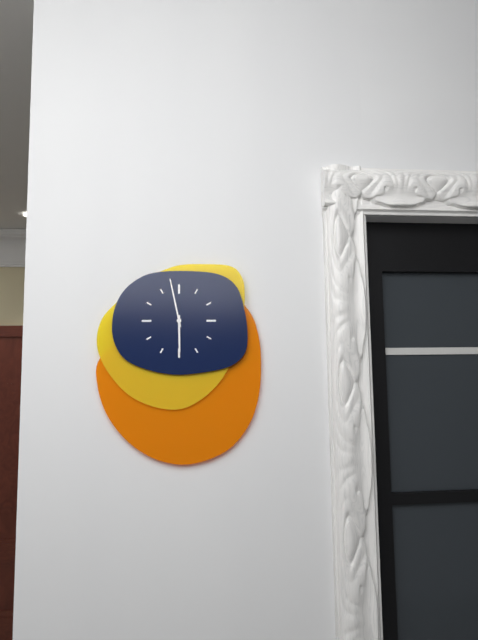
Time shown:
{"hour": 5, "minute": 58}
